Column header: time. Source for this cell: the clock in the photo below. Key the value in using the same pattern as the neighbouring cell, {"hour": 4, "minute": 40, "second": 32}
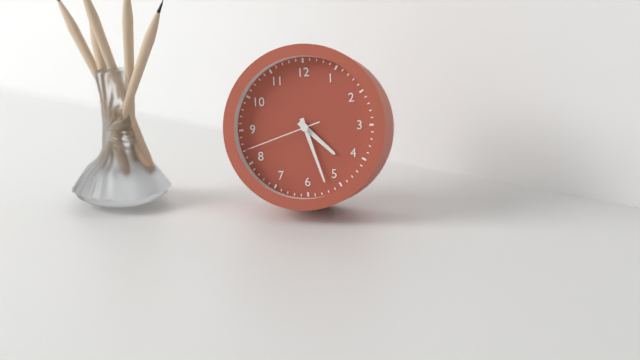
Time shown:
{"hour": 4, "minute": 27, "second": 42}
